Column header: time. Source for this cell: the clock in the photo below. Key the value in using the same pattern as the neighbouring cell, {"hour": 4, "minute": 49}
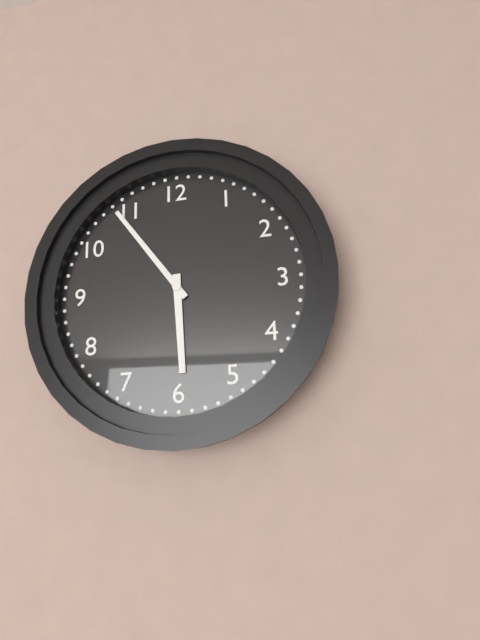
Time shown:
{"hour": 5, "minute": 54}
